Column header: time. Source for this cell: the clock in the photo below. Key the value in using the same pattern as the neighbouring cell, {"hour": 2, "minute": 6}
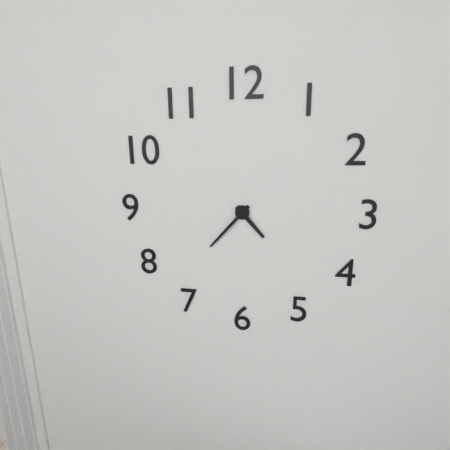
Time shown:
{"hour": 4, "minute": 37}
